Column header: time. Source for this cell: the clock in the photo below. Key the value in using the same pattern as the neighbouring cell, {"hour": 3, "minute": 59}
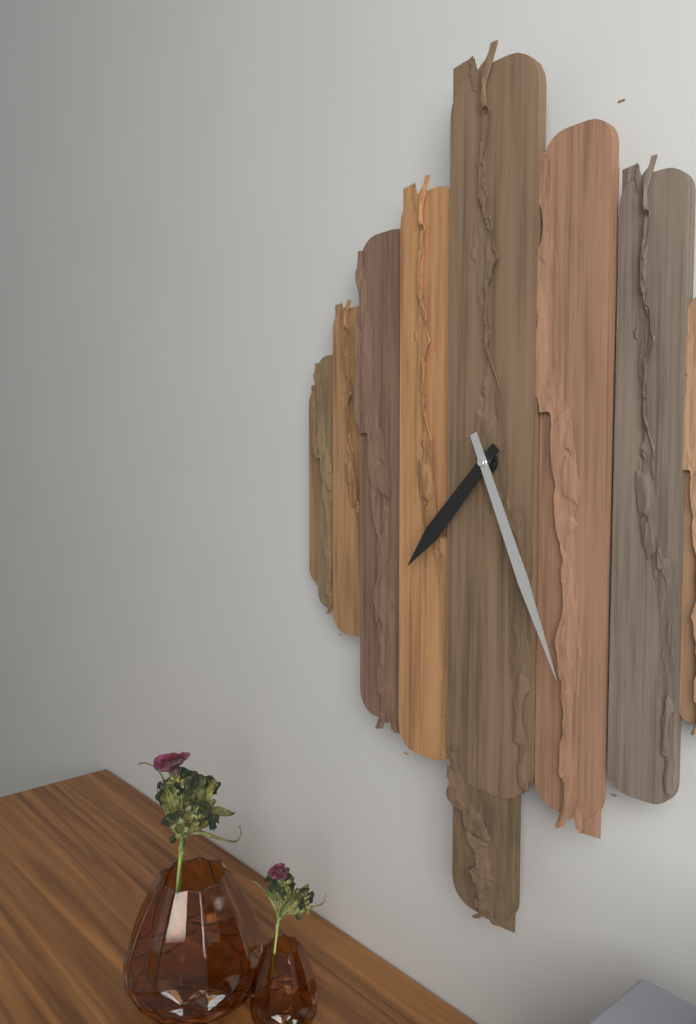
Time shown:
{"hour": 7, "minute": 26}
